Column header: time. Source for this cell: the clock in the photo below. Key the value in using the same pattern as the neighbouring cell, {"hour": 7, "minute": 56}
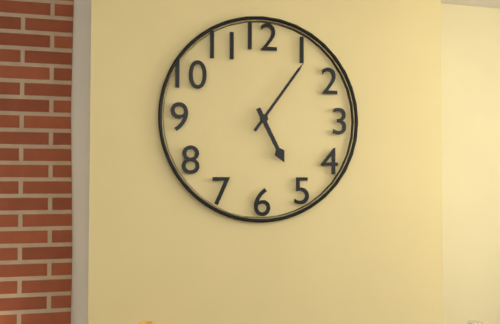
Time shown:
{"hour": 5, "minute": 6}
